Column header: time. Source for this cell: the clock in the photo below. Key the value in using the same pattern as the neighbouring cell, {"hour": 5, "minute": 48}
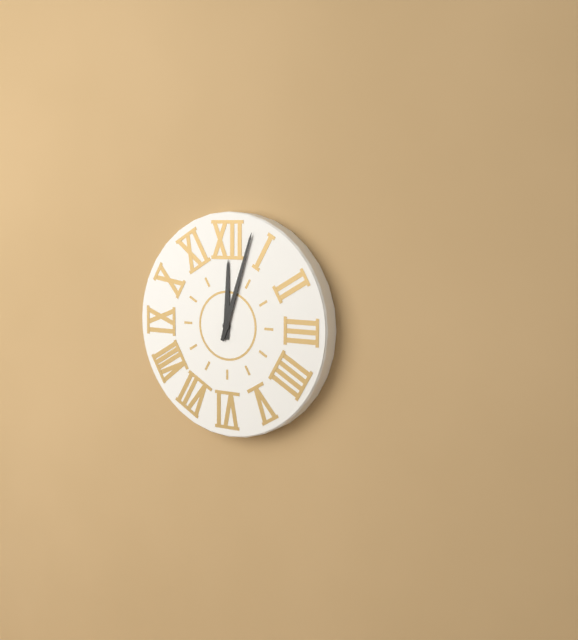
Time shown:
{"hour": 12, "minute": 3}
